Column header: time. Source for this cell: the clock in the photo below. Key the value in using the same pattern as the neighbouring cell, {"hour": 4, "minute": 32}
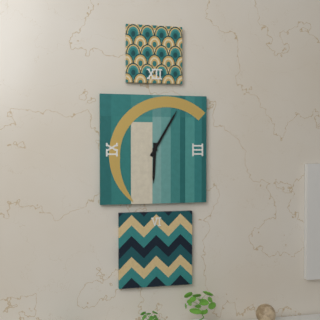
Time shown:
{"hour": 6, "minute": 5}
